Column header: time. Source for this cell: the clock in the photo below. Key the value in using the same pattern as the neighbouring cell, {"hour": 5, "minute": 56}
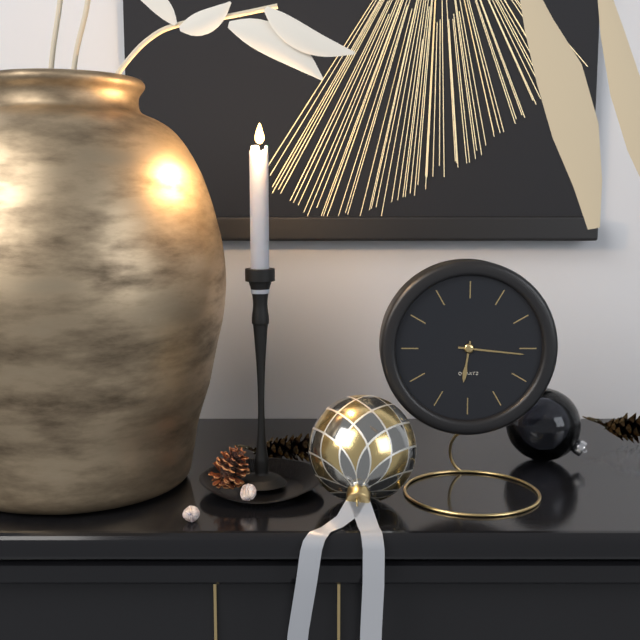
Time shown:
{"hour": 6, "minute": 16}
